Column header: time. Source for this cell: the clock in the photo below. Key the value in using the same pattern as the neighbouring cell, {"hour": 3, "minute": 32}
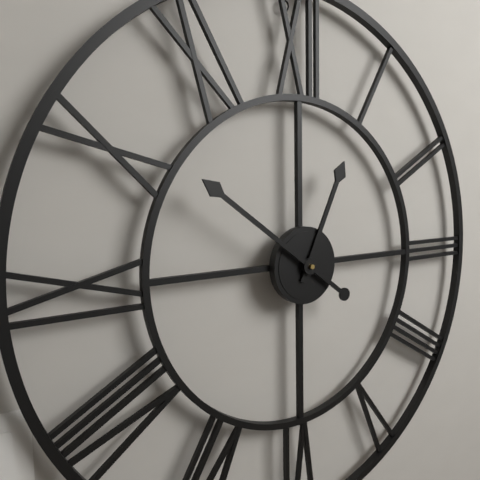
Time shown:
{"hour": 12, "minute": 51}
